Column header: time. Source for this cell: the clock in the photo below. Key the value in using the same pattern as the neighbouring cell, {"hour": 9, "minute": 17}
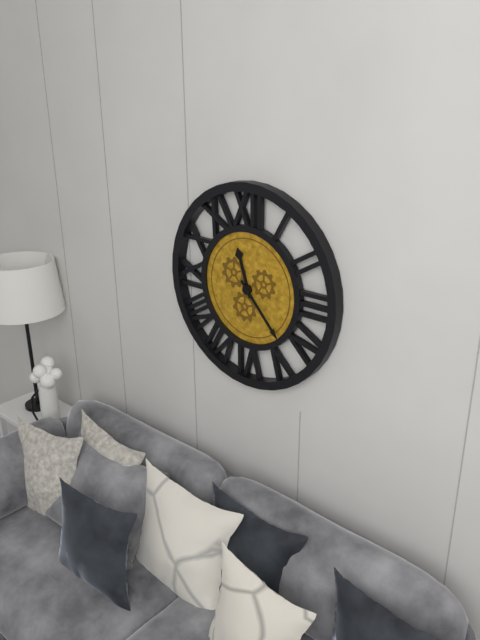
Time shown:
{"hour": 11, "minute": 23}
